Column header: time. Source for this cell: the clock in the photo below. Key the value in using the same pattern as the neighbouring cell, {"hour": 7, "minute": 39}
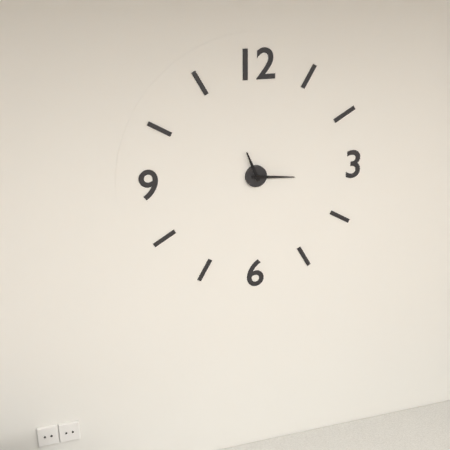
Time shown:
{"hour": 11, "minute": 16}
